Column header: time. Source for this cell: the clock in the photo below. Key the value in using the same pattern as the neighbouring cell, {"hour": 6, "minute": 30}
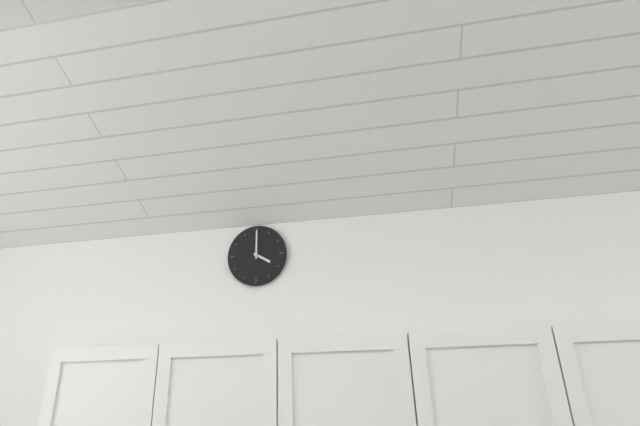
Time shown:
{"hour": 4, "minute": 0}
